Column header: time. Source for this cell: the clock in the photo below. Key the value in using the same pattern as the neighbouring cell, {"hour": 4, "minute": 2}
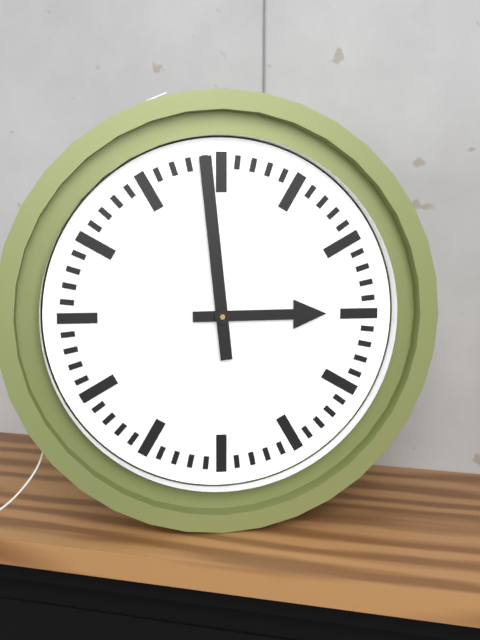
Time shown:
{"hour": 2, "minute": 59}
